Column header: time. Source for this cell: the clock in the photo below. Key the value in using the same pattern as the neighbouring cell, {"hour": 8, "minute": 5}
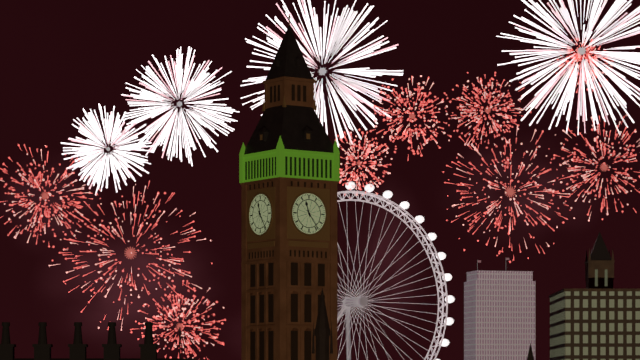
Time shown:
{"hour": 11, "minute": 24}
